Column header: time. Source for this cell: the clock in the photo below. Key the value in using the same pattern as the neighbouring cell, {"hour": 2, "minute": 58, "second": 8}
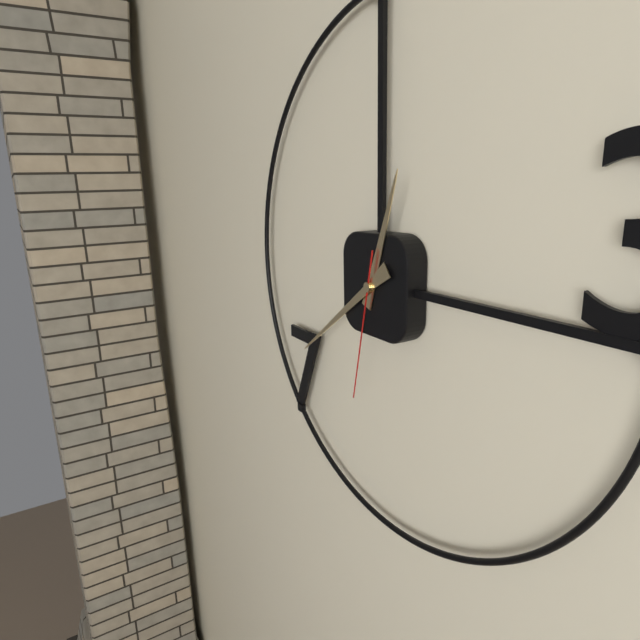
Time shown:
{"hour": 12, "minute": 39, "second": 32}
